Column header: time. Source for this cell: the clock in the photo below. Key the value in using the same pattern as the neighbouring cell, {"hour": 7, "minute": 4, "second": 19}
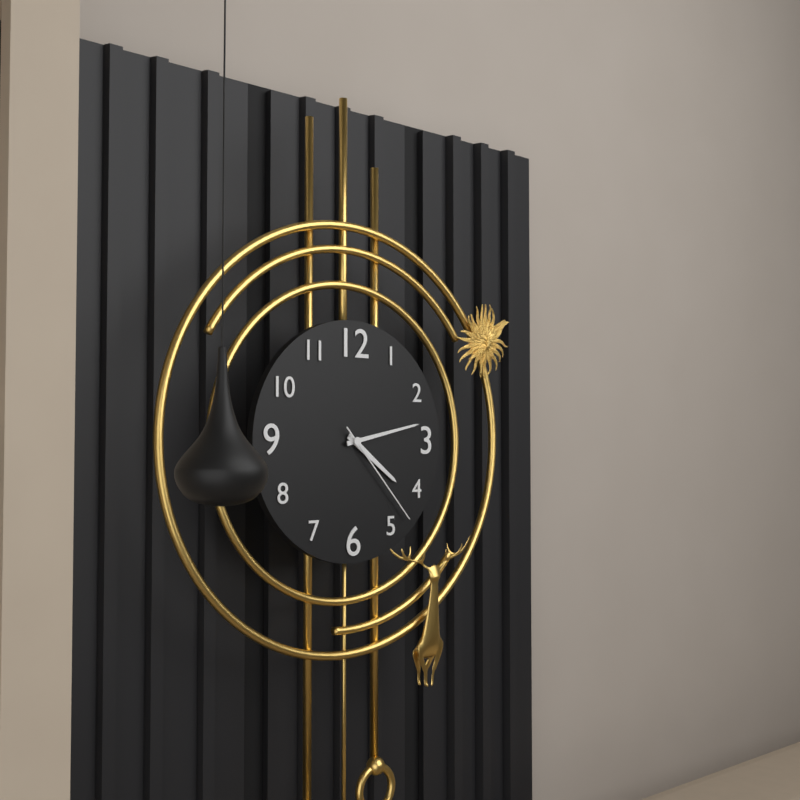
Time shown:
{"hour": 4, "minute": 13, "second": 23}
